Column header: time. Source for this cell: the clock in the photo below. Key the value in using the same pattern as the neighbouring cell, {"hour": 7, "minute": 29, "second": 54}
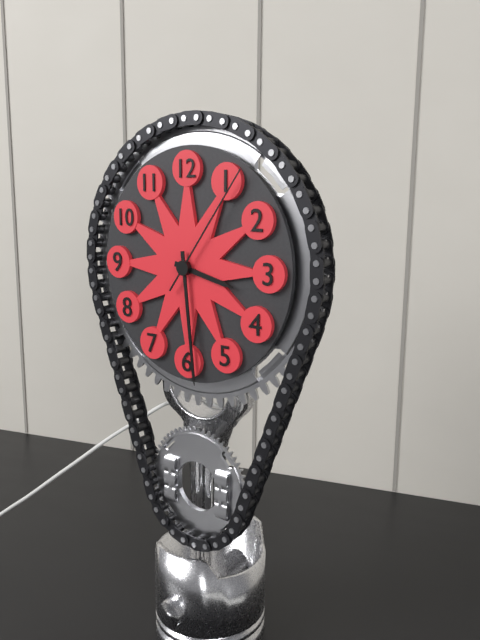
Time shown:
{"hour": 3, "minute": 29, "second": 6}
